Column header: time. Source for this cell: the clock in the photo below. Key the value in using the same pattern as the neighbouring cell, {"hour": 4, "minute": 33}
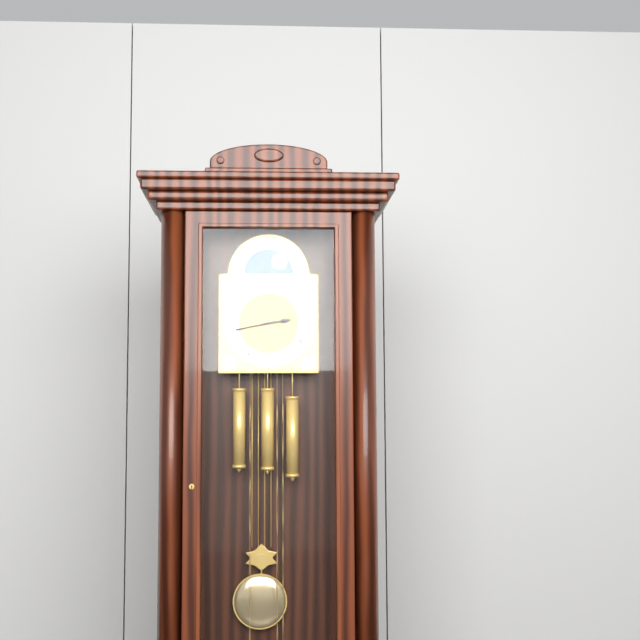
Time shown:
{"hour": 2, "minute": 43}
